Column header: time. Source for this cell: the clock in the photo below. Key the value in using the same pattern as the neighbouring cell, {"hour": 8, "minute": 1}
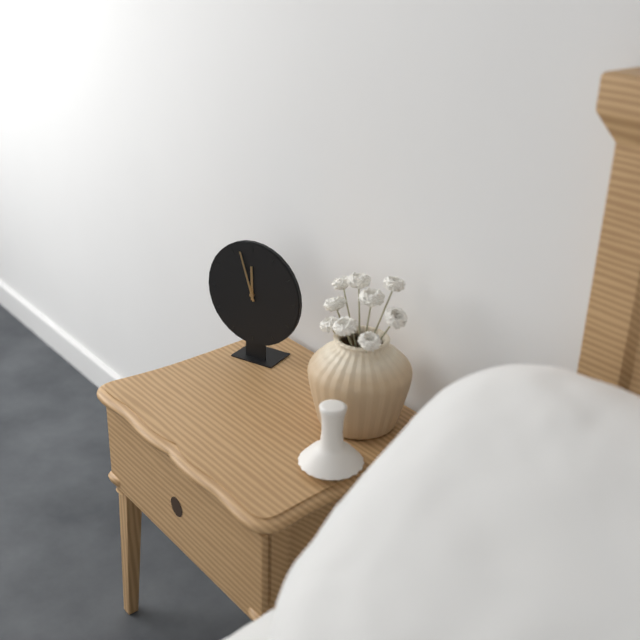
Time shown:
{"hour": 11, "minute": 57}
